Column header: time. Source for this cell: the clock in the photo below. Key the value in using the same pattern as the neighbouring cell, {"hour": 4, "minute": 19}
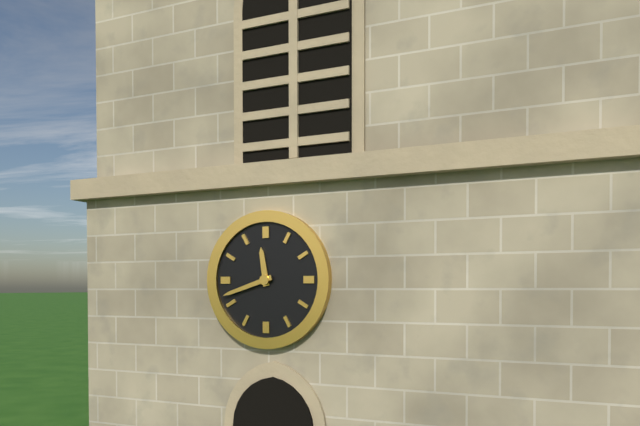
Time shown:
{"hour": 11, "minute": 42}
